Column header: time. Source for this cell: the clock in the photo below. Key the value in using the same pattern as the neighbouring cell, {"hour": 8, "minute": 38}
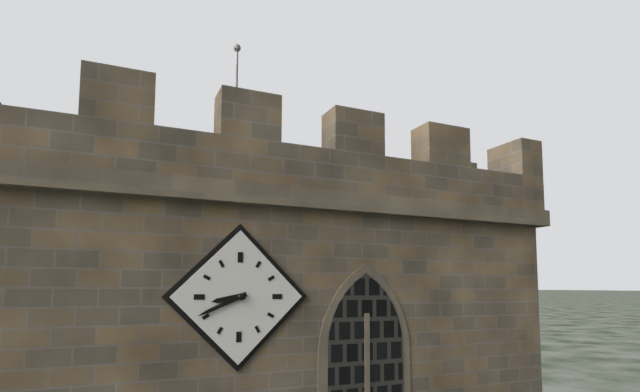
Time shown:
{"hour": 8, "minute": 41}
